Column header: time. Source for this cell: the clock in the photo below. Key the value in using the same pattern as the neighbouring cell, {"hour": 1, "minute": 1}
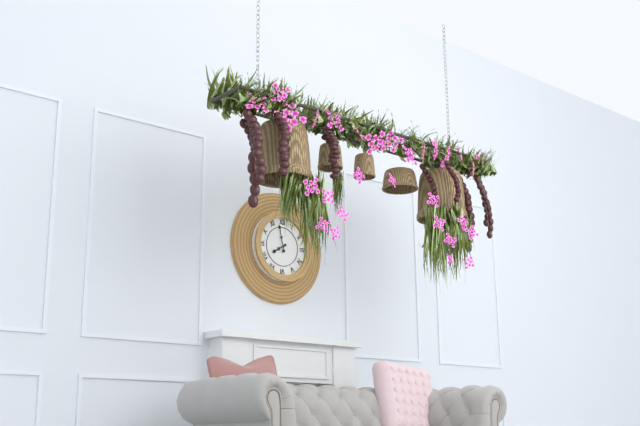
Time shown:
{"hour": 7, "minute": 58}
